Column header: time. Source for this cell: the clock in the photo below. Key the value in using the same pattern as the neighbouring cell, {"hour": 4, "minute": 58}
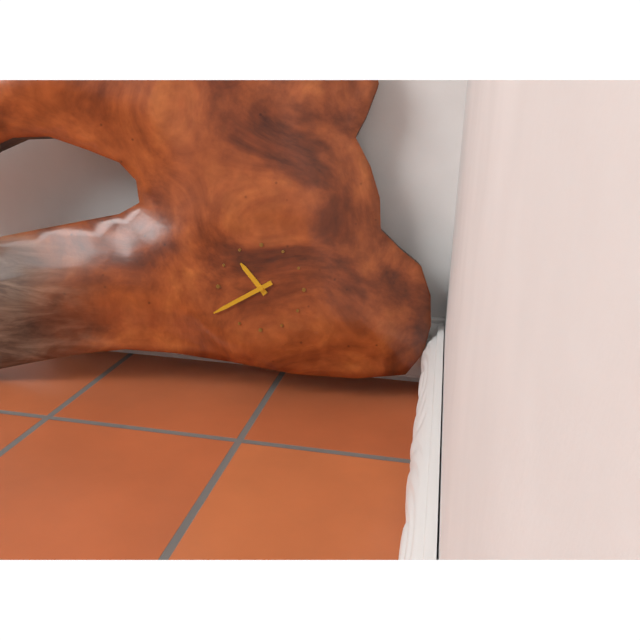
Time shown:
{"hour": 10, "minute": 40}
